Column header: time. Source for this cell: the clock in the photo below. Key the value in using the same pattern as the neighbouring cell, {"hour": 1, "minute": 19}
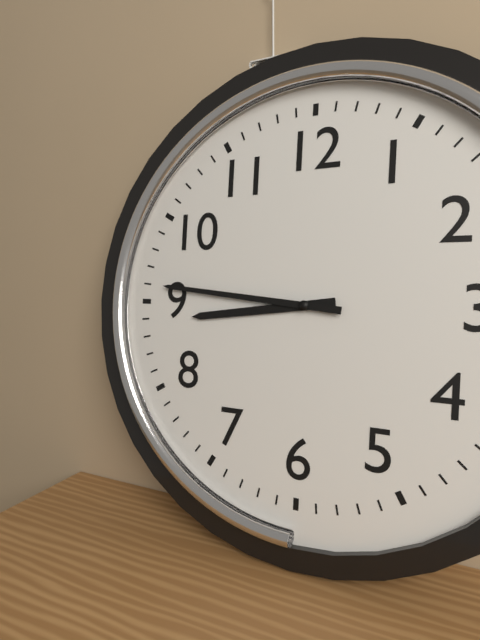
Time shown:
{"hour": 8, "minute": 46}
